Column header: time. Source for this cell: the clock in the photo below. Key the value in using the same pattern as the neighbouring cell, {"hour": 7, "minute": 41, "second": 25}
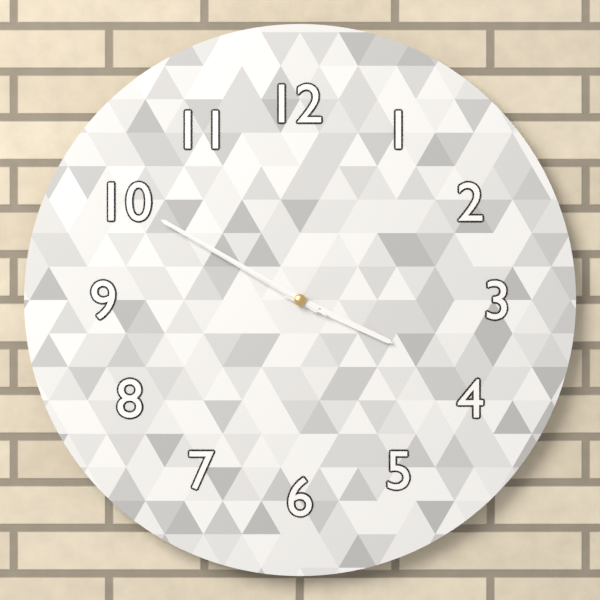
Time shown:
{"hour": 3, "minute": 50, "second": 50}
